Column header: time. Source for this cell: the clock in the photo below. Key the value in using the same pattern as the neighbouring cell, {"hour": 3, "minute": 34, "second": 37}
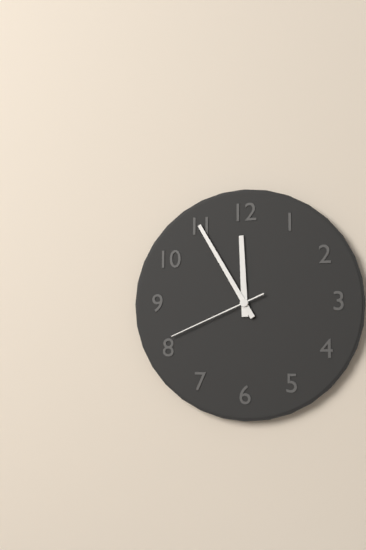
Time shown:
{"hour": 11, "minute": 55, "second": 41}
